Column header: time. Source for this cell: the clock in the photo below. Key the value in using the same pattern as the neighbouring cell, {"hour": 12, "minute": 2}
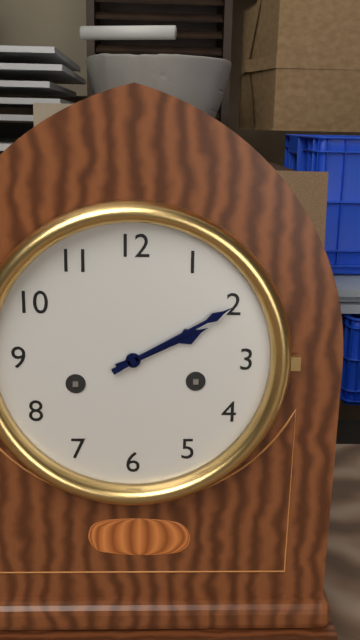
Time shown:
{"hour": 2, "minute": 10}
